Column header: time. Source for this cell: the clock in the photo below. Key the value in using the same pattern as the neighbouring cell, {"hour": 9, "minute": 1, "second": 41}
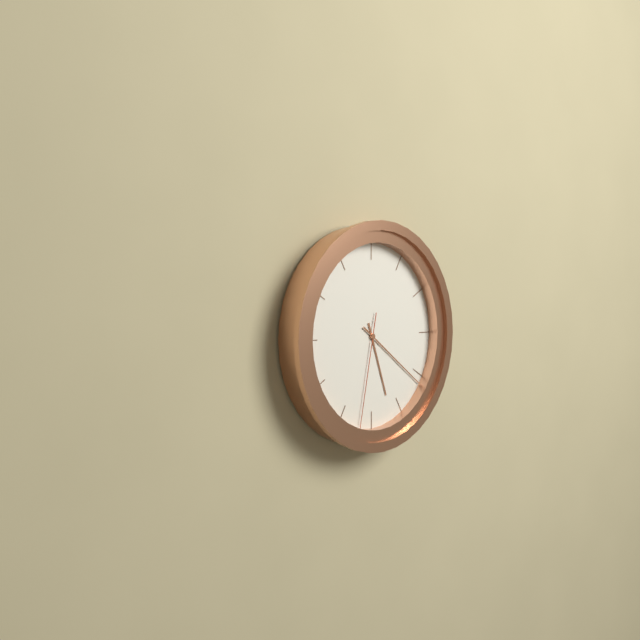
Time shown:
{"hour": 5, "minute": 21, "second": 32}
